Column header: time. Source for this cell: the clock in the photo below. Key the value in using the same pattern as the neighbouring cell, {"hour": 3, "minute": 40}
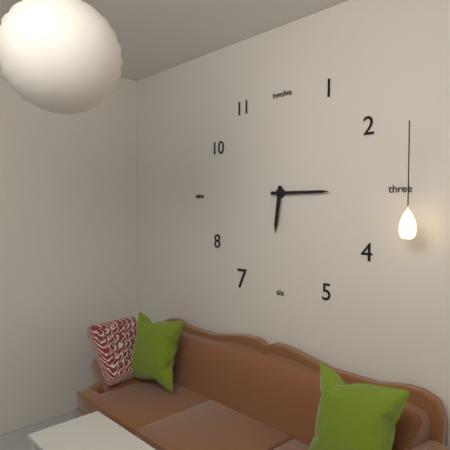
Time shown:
{"hour": 6, "minute": 15}
